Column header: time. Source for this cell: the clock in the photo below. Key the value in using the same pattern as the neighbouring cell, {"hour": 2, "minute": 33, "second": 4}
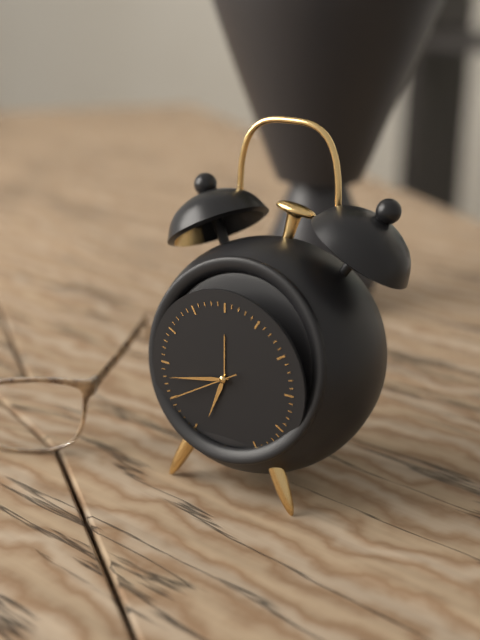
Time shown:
{"hour": 6, "minute": 43, "second": 40}
